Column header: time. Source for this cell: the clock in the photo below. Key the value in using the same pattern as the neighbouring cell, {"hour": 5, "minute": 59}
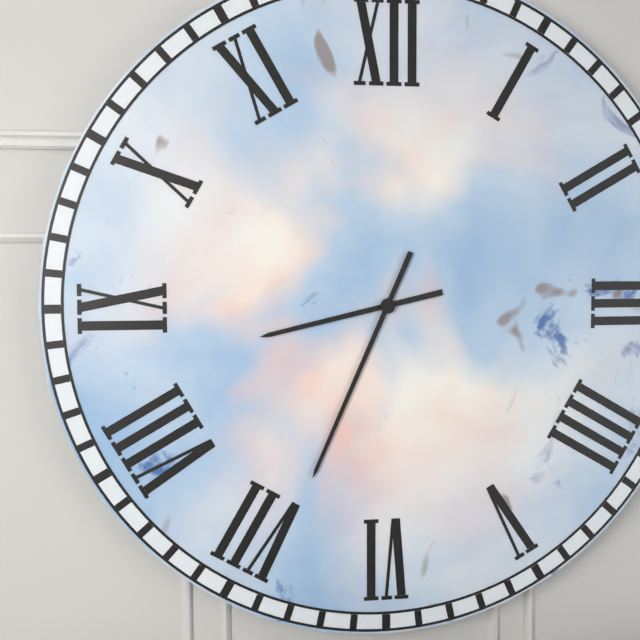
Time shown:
{"hour": 8, "minute": 34}
